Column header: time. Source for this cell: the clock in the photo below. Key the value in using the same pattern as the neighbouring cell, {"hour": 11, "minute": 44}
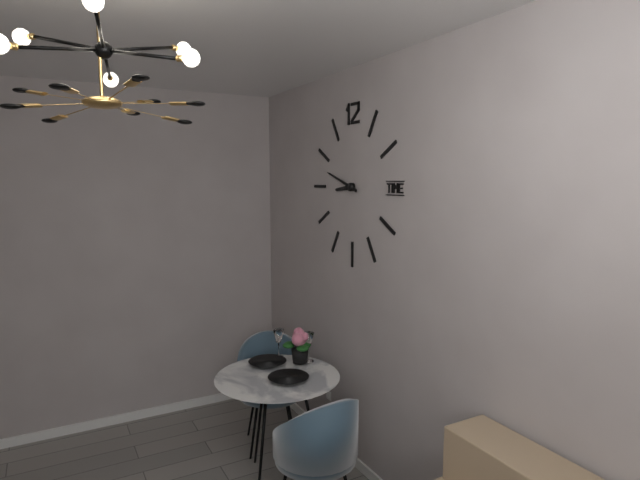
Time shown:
{"hour": 8, "minute": 48}
